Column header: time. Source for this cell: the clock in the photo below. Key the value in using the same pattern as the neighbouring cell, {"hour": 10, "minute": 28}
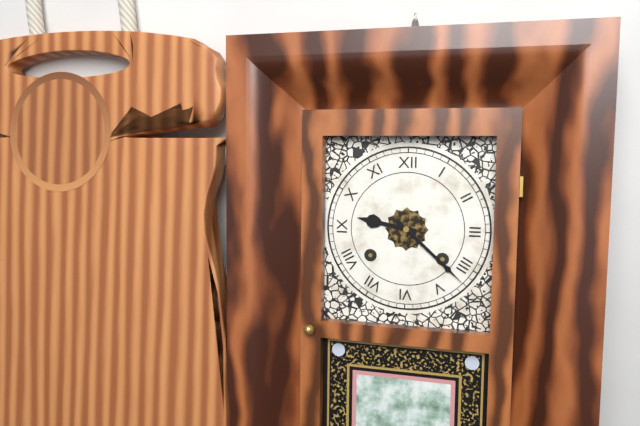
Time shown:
{"hour": 9, "minute": 22}
